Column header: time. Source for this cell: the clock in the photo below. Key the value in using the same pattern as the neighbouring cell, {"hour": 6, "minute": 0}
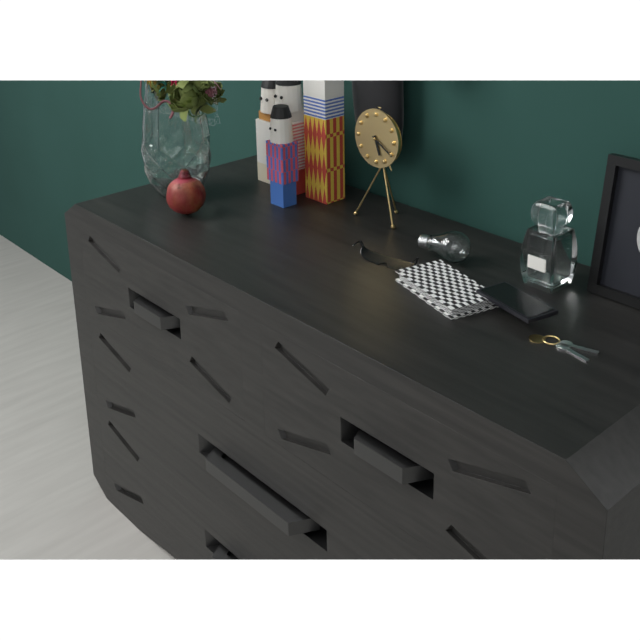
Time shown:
{"hour": 5, "minute": 20}
